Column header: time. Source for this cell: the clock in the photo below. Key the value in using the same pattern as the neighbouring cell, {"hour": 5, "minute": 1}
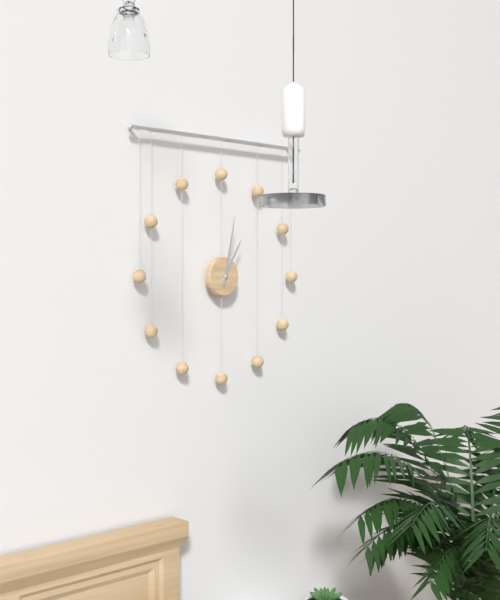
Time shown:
{"hour": 1, "minute": 2}
